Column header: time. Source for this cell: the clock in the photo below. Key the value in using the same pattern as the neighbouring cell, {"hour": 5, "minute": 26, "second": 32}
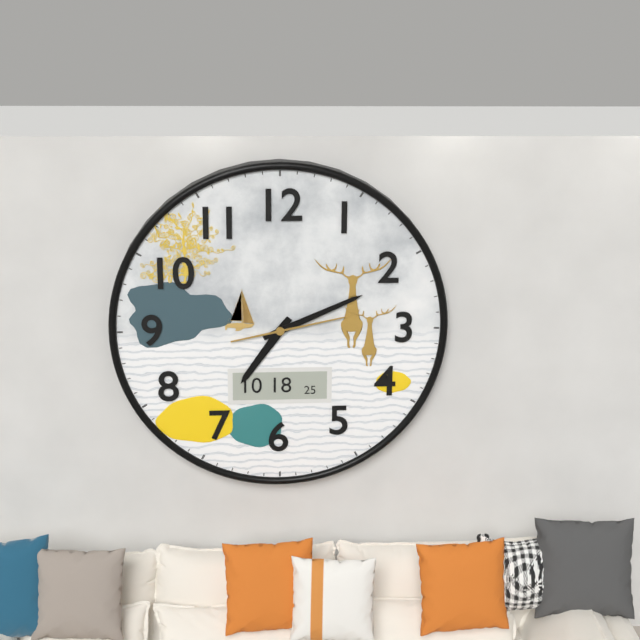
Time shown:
{"hour": 7, "minute": 11, "second": 13}
